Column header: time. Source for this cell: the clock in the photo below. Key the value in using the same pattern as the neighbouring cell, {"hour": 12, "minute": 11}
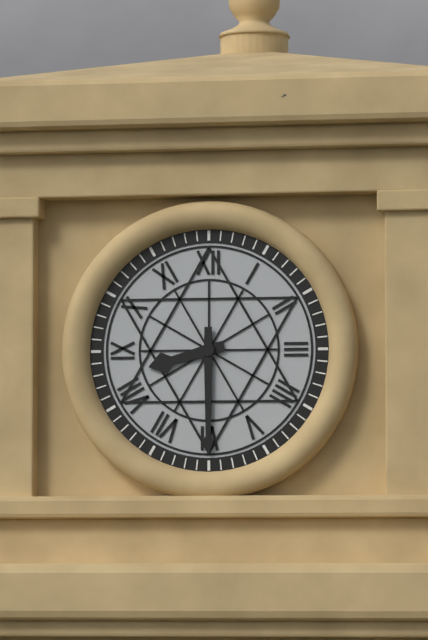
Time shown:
{"hour": 8, "minute": 30}
